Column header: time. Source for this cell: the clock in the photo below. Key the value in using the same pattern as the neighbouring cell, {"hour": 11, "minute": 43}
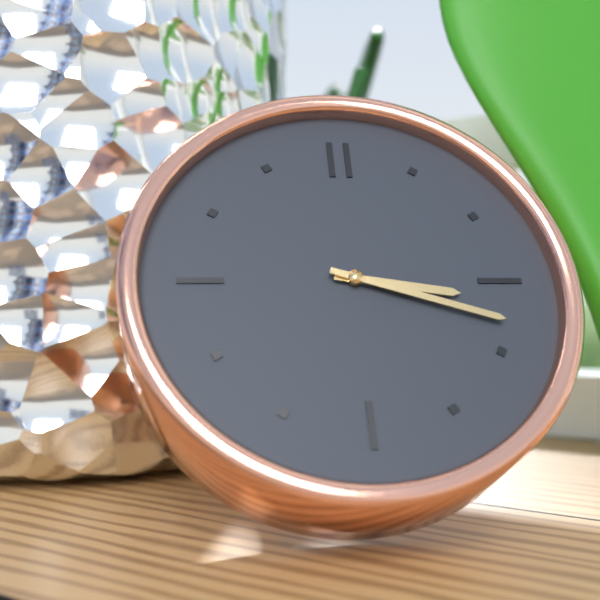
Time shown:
{"hour": 3, "minute": 18}
